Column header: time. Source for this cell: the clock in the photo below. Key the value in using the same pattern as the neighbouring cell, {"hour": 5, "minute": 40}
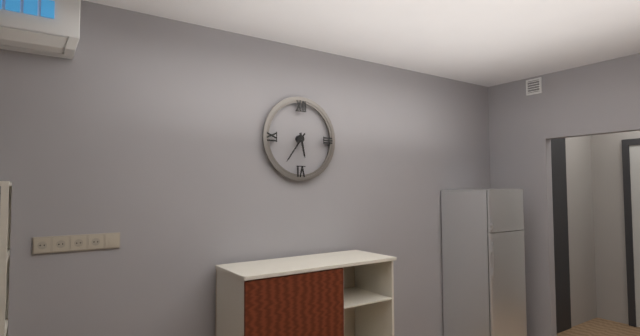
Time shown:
{"hour": 5, "minute": 36}
